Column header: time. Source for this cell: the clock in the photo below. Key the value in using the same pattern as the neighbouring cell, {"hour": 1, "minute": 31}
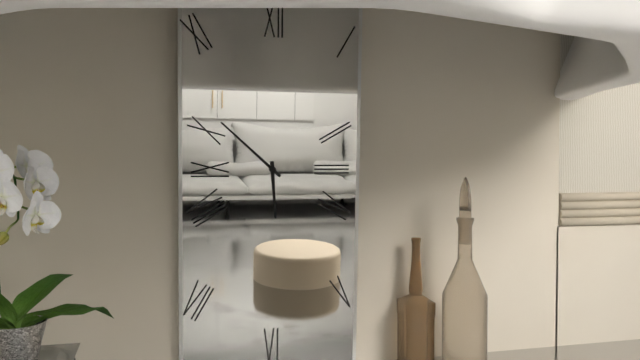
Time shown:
{"hour": 5, "minute": 52}
